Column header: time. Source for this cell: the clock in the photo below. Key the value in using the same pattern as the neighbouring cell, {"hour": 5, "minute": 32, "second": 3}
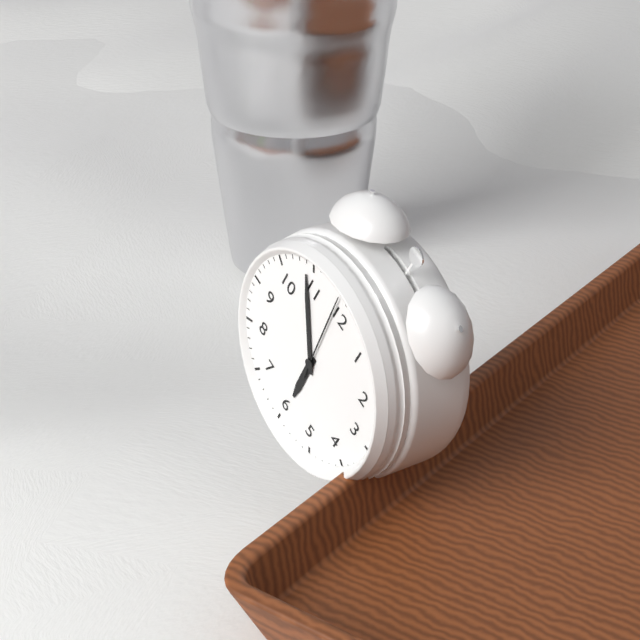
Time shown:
{"hour": 5, "minute": 54, "second": 59}
